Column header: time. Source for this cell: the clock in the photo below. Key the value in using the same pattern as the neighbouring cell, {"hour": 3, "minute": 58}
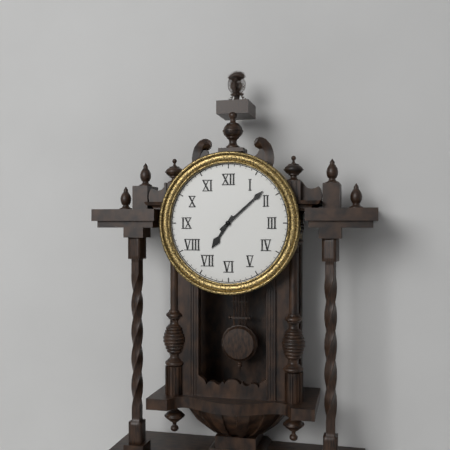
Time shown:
{"hour": 7, "minute": 8}
